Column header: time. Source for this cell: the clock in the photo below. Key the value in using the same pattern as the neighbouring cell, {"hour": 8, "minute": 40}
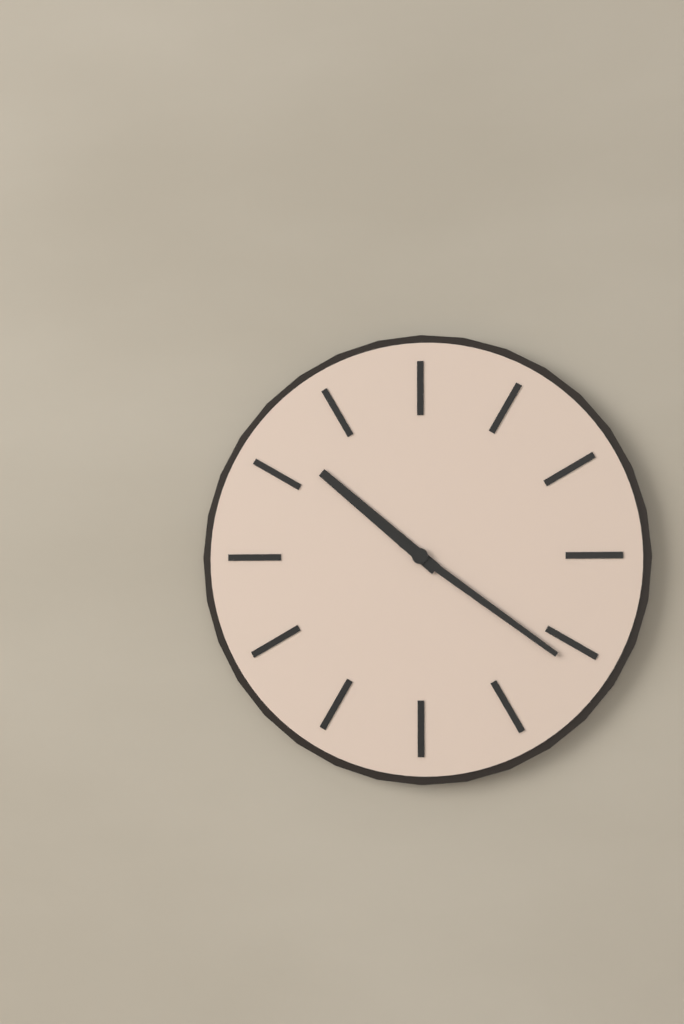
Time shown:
{"hour": 10, "minute": 21}
